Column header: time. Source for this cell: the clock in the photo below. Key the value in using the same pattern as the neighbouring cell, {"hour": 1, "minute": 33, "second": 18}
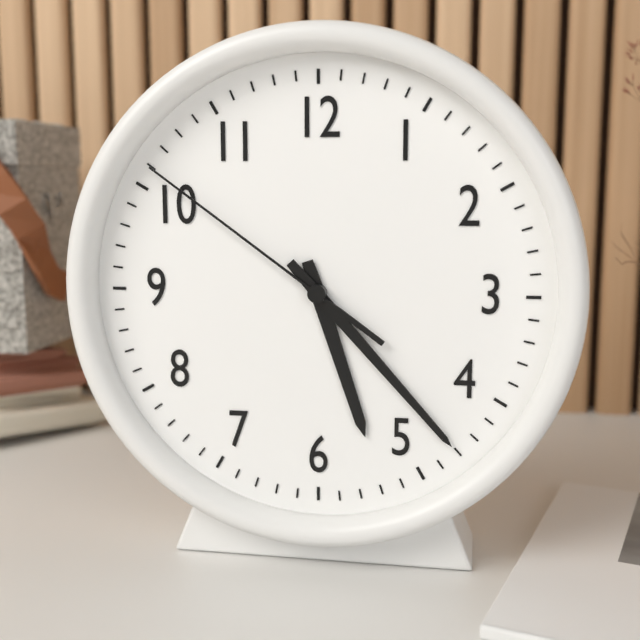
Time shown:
{"hour": 5, "minute": 23, "second": 51}
